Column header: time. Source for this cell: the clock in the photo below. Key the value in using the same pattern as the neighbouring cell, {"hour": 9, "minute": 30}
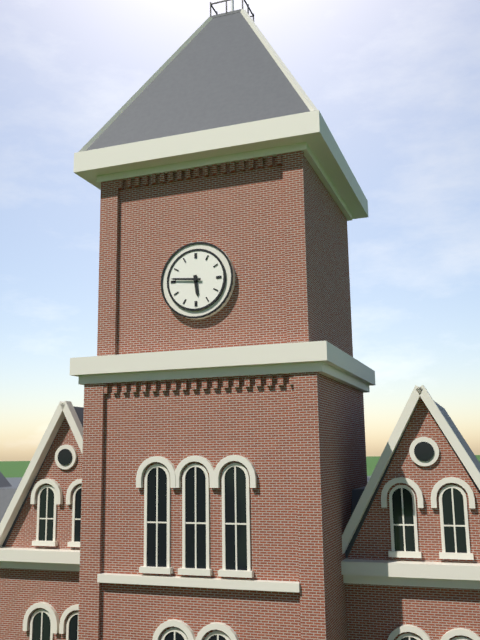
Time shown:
{"hour": 5, "minute": 46}
